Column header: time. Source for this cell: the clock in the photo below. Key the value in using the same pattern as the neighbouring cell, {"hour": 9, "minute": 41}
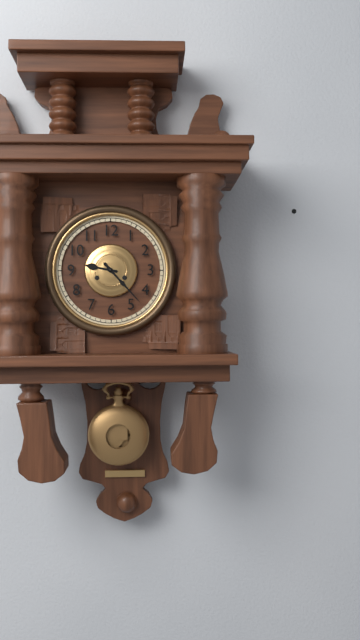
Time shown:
{"hour": 9, "minute": 23}
